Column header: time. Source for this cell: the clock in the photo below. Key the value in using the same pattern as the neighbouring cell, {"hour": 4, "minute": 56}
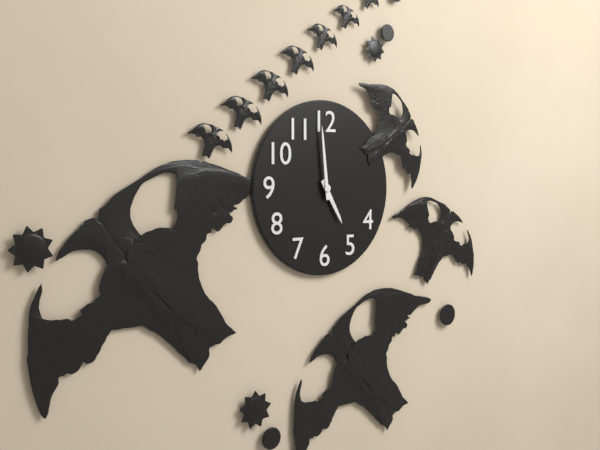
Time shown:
{"hour": 4, "minute": 59}
